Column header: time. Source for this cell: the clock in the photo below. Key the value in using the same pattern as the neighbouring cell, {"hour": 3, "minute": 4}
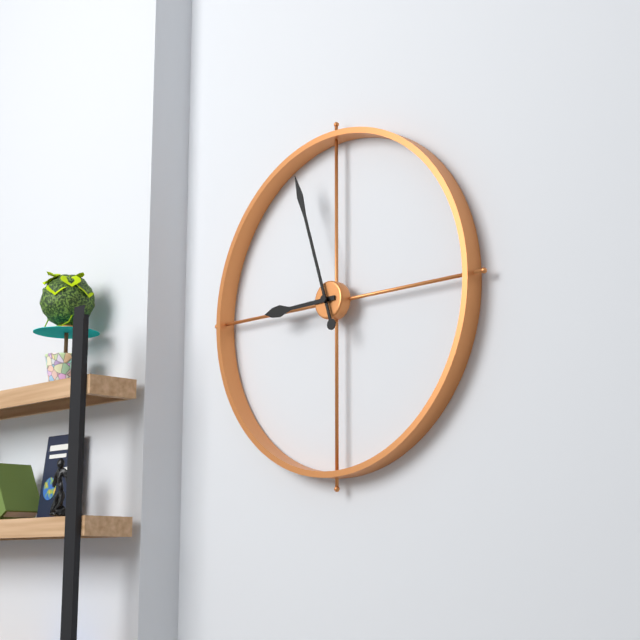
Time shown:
{"hour": 8, "minute": 57}
